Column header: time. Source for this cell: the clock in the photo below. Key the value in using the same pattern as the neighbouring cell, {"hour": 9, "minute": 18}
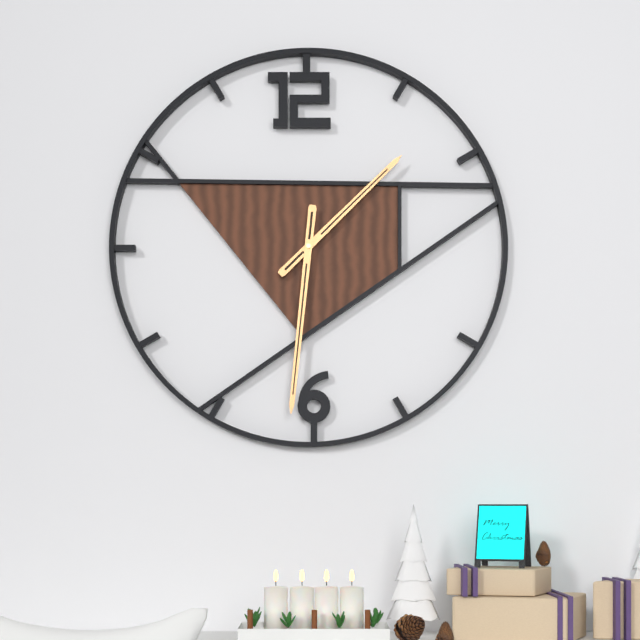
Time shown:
{"hour": 1, "minute": 31}
